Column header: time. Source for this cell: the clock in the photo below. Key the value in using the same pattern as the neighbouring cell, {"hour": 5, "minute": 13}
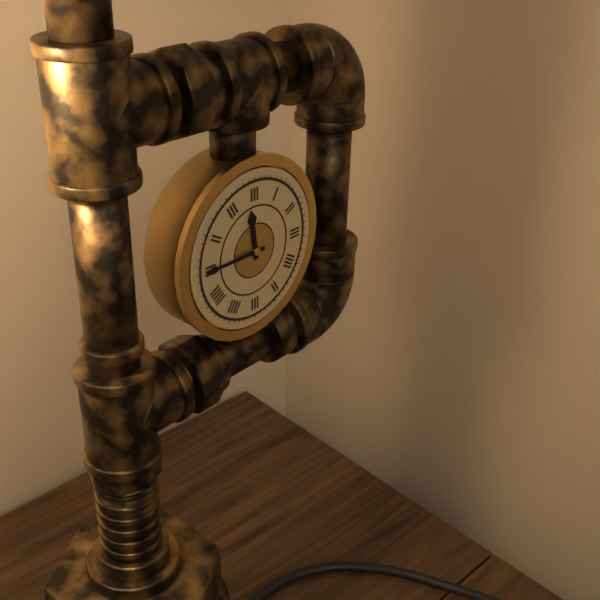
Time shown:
{"hour": 11, "minute": 45}
